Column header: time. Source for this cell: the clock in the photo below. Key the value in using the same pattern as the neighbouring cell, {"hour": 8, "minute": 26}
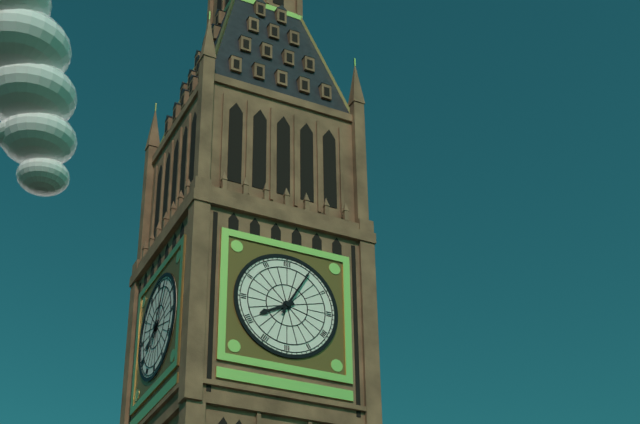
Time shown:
{"hour": 8, "minute": 5}
